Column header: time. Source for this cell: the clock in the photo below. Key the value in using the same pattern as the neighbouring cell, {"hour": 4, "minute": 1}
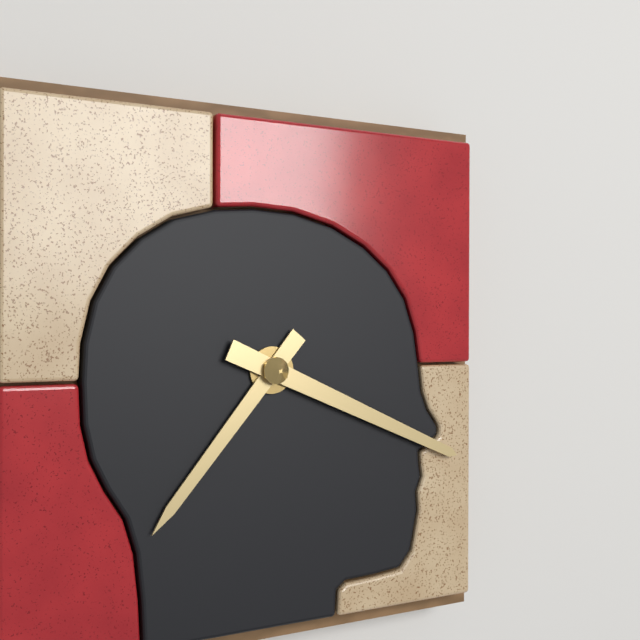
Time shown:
{"hour": 7, "minute": 19}
